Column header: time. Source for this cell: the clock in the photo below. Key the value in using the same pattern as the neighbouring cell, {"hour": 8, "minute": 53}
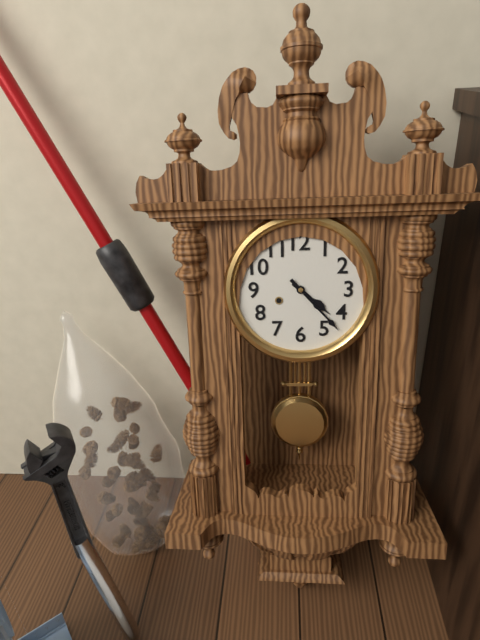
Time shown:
{"hour": 4, "minute": 23}
